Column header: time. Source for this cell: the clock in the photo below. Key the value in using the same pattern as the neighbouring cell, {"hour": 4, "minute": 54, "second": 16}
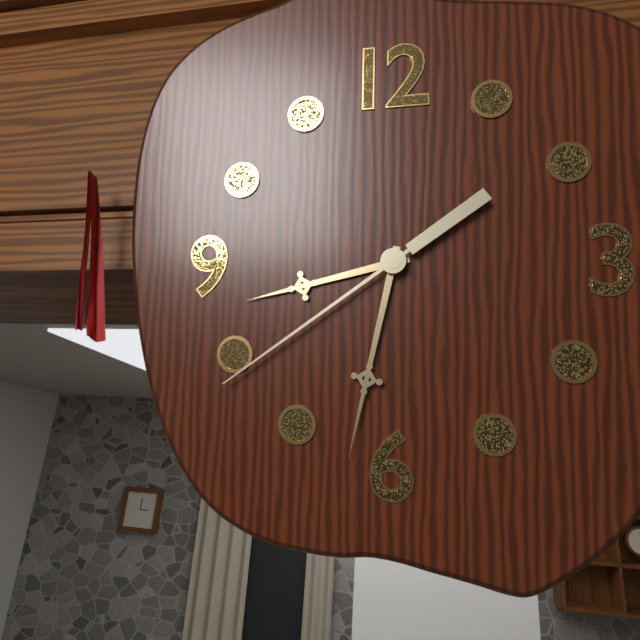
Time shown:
{"hour": 8, "minute": 32, "second": 39}
